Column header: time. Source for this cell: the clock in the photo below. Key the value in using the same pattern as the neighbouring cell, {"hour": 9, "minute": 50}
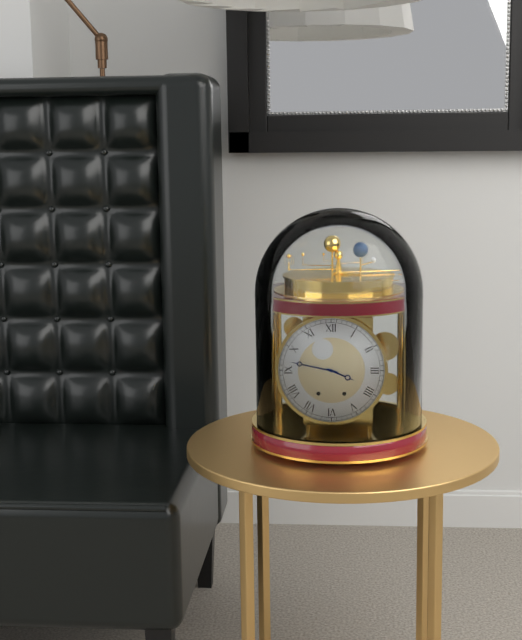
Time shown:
{"hour": 3, "minute": 47}
